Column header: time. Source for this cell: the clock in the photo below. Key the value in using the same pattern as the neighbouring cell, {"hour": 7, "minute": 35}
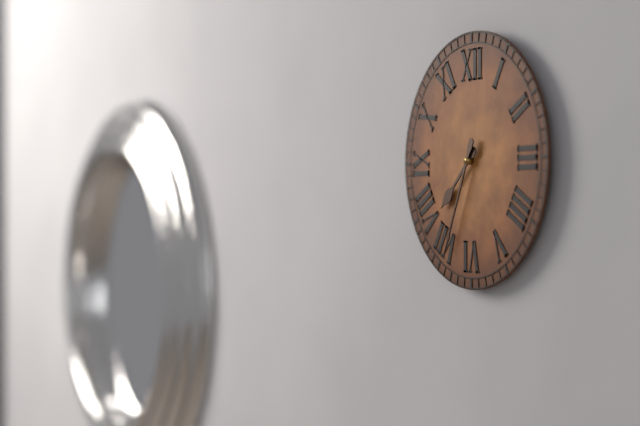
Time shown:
{"hour": 7, "minute": 34}
